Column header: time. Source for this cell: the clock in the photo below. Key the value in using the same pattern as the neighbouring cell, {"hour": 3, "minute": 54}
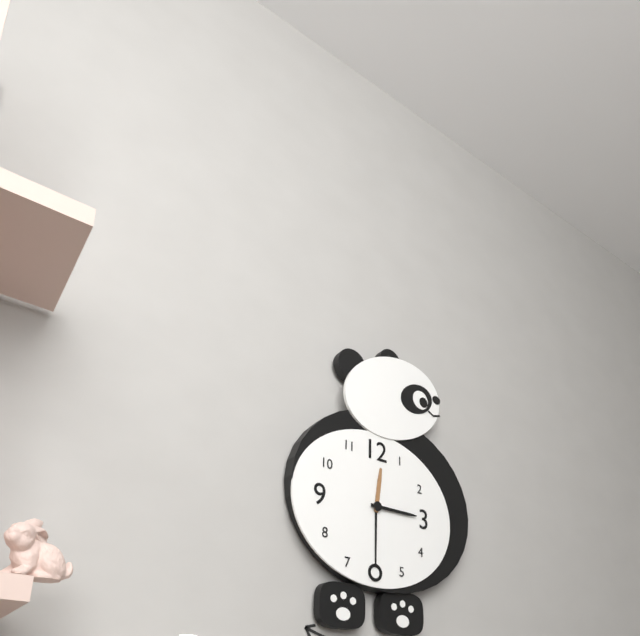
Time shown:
{"hour": 12, "minute": 15}
